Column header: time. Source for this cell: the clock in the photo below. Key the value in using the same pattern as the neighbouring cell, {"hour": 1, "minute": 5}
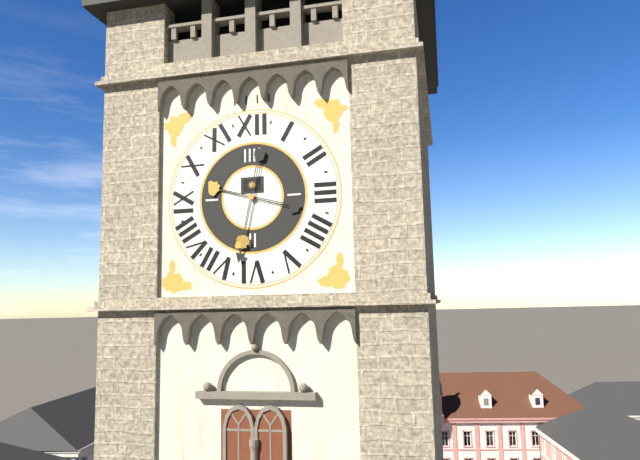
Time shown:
{"hour": 9, "minute": 32}
